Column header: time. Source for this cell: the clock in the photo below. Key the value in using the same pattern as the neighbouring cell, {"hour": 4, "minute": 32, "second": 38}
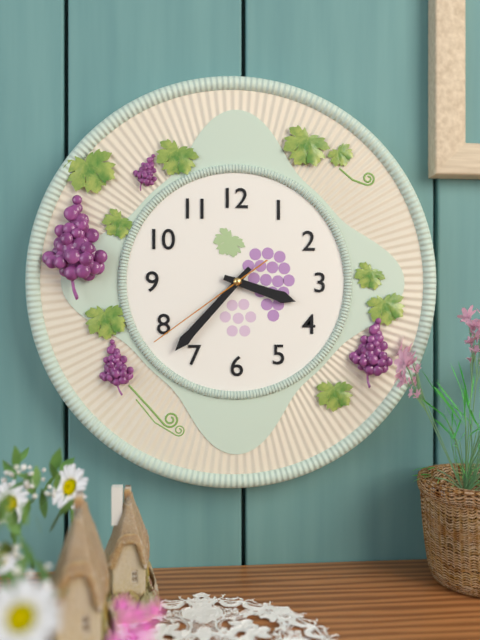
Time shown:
{"hour": 3, "minute": 37, "second": 39}
